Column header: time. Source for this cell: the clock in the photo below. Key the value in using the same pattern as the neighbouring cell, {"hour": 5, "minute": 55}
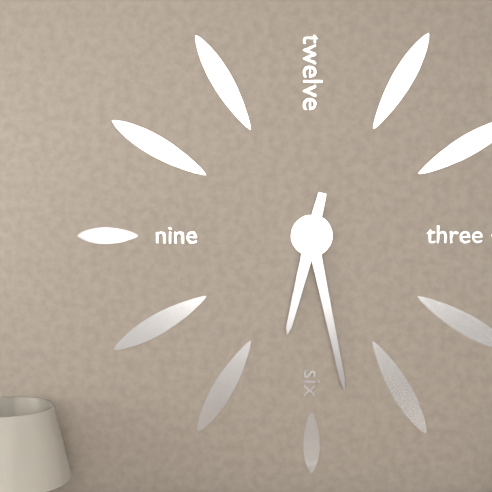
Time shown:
{"hour": 6, "minute": 28}
